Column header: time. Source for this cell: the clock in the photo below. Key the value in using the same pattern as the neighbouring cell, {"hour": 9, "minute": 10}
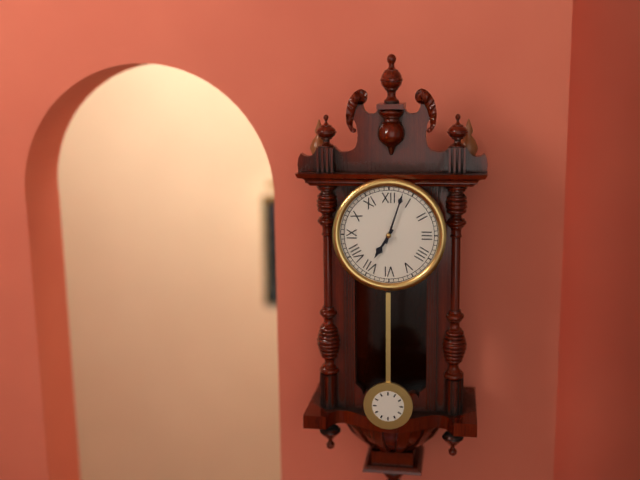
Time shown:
{"hour": 7, "minute": 3}
